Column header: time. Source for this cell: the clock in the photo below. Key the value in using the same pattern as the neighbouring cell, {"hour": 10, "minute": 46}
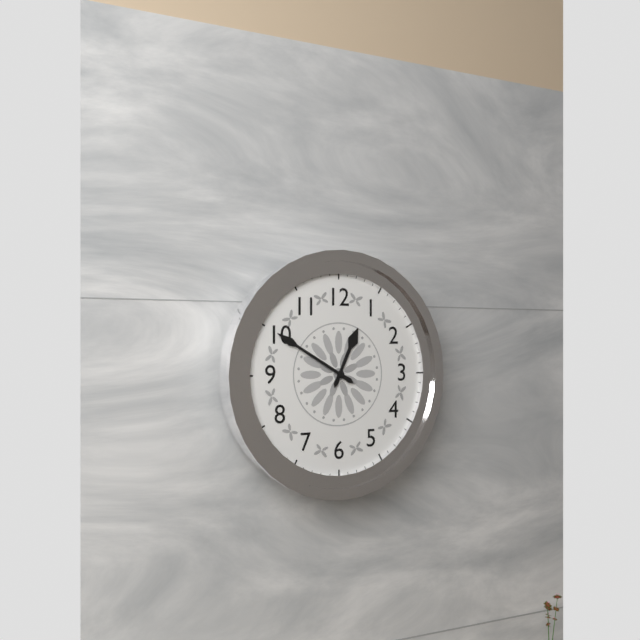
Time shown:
{"hour": 12, "minute": 50}
